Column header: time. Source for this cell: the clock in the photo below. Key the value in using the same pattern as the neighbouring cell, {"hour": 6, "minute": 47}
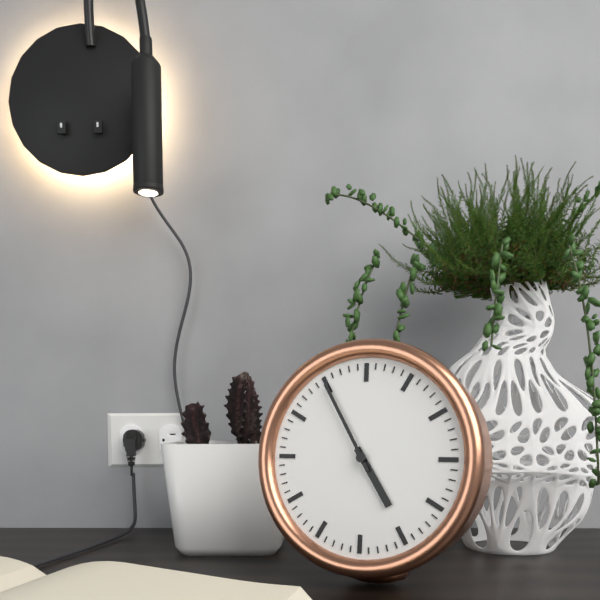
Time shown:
{"hour": 4, "minute": 55}
